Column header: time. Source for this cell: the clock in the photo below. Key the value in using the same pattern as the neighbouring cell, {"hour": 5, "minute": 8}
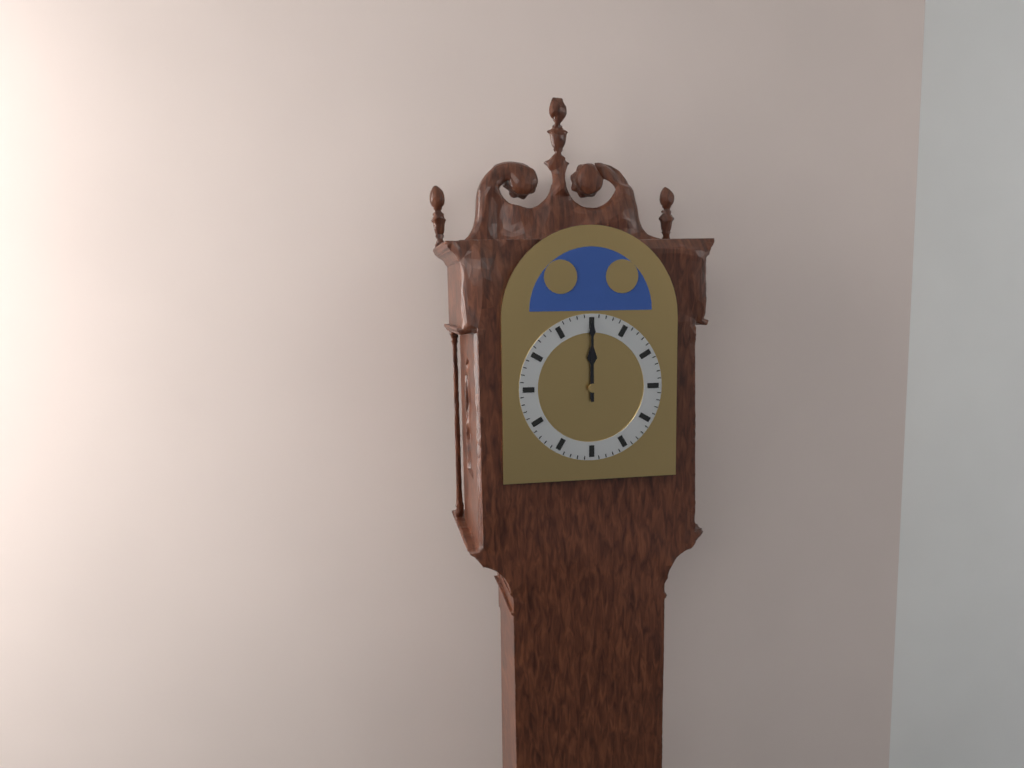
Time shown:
{"hour": 12, "minute": 0}
